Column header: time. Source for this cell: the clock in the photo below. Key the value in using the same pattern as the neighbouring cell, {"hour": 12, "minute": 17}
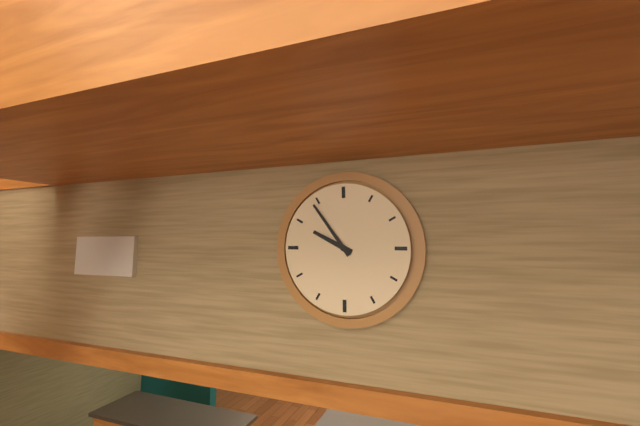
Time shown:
{"hour": 9, "minute": 54}
